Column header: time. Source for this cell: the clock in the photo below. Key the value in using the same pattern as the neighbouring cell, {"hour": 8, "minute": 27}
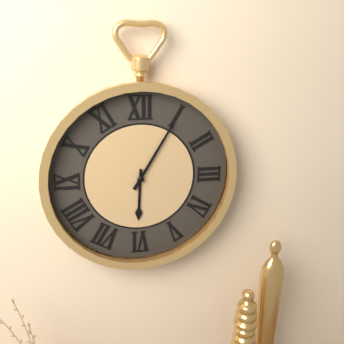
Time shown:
{"hour": 6, "minute": 5}
